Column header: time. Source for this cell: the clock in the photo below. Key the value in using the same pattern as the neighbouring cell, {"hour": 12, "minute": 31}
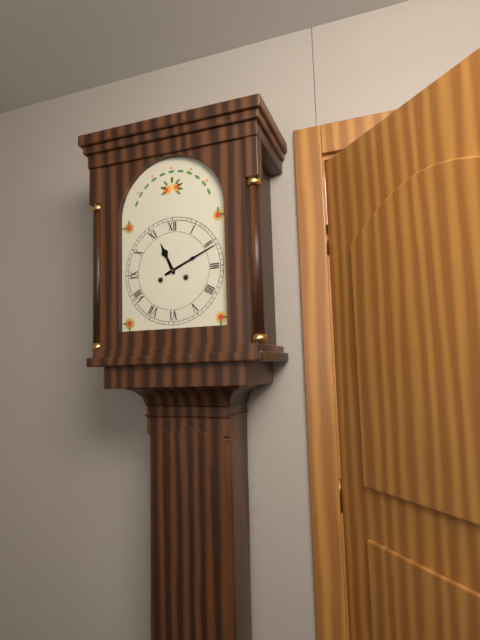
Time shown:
{"hour": 11, "minute": 11}
